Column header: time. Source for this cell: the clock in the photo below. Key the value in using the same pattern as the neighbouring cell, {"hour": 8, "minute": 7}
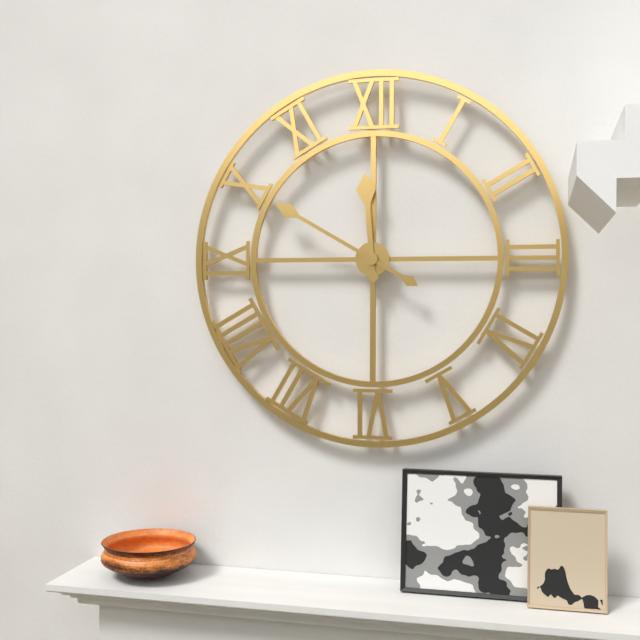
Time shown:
{"hour": 11, "minute": 50}
